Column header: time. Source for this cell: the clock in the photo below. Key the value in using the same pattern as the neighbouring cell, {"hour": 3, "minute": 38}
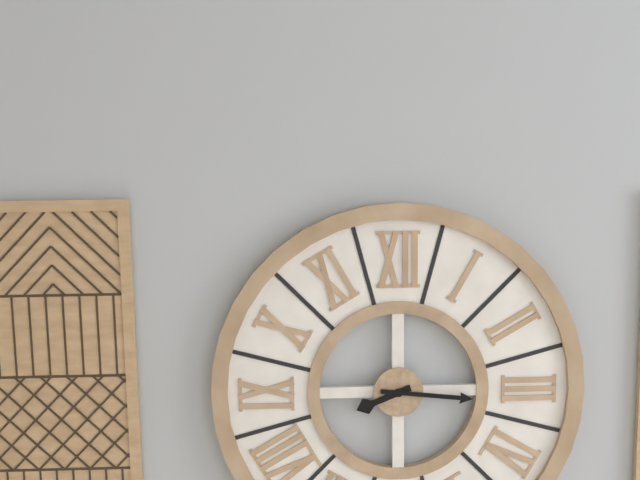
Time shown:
{"hour": 8, "minute": 16}
